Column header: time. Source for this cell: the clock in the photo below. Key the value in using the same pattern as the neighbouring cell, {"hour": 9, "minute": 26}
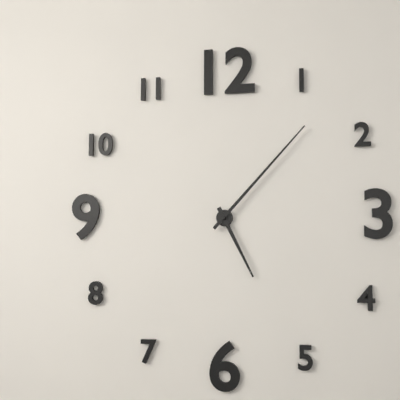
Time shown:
{"hour": 5, "minute": 7}
